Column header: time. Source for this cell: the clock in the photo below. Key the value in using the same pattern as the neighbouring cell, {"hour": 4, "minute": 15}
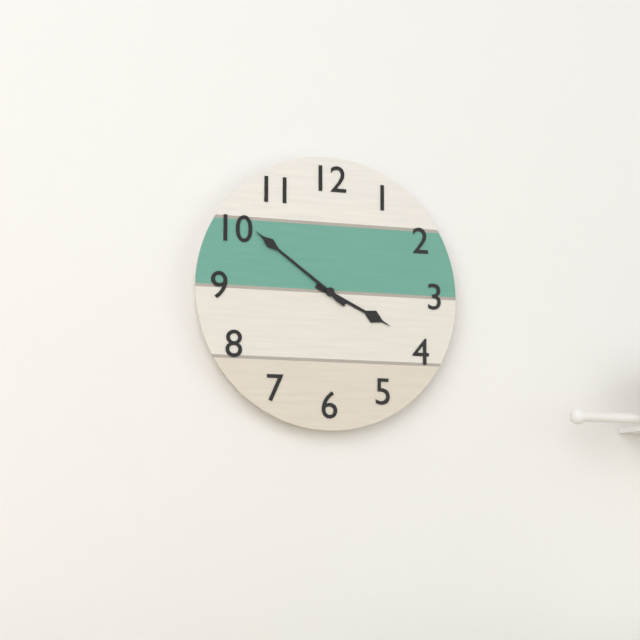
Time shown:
{"hour": 3, "minute": 51}
